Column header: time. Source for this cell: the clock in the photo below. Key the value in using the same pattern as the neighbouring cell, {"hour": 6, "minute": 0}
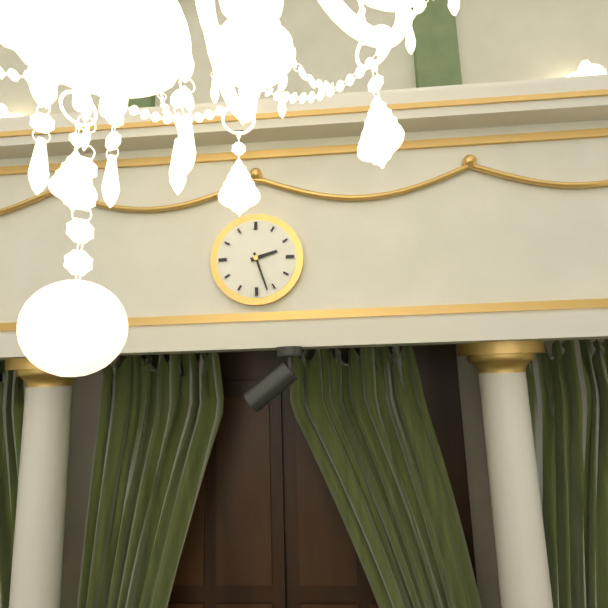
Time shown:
{"hour": 2, "minute": 27}
